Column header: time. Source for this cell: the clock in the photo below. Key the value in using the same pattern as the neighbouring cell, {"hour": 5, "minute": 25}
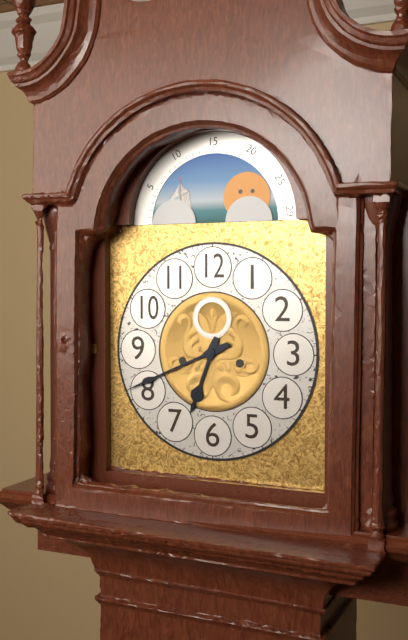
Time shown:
{"hour": 6, "minute": 41}
